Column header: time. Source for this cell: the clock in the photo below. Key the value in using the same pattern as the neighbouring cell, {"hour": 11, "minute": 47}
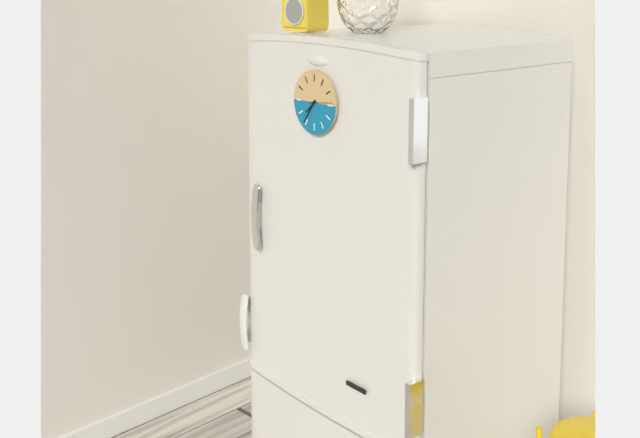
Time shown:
{"hour": 7, "minute": 36}
